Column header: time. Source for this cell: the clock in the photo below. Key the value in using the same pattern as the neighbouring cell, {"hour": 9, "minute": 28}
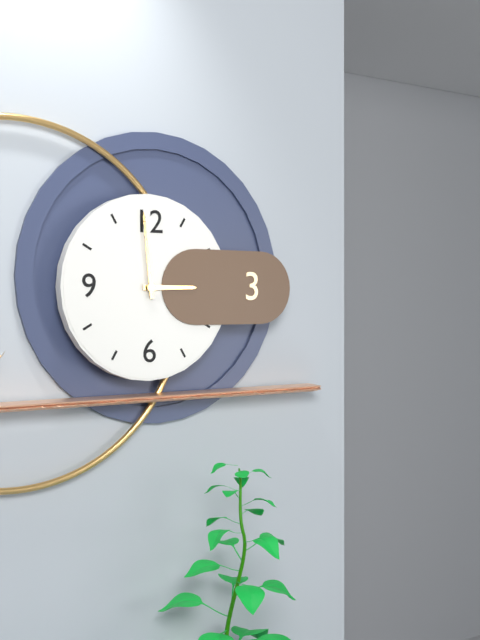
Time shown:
{"hour": 2, "minute": 59}
